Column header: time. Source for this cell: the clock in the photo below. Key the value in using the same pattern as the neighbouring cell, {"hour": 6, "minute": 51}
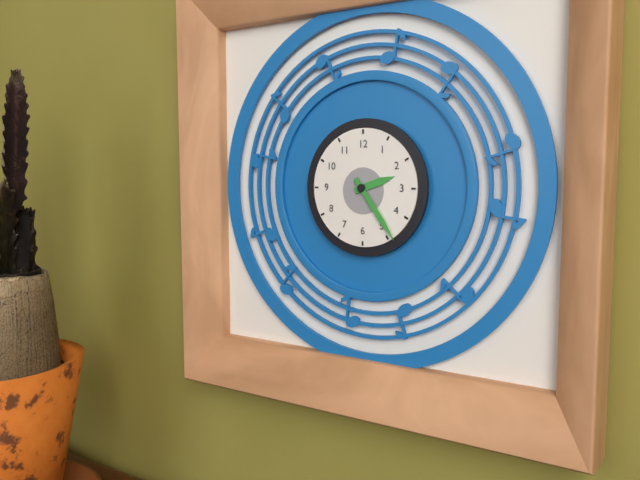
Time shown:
{"hour": 2, "minute": 24}
